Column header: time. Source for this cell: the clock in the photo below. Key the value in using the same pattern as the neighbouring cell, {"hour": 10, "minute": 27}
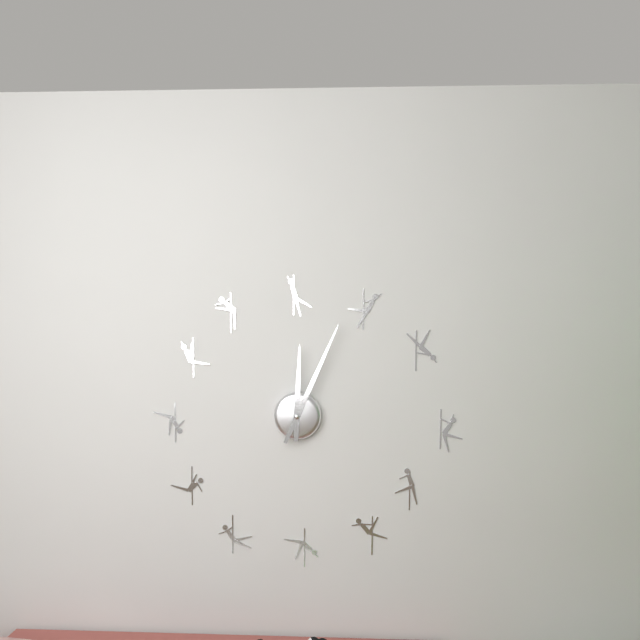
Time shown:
{"hour": 12, "minute": 4}
